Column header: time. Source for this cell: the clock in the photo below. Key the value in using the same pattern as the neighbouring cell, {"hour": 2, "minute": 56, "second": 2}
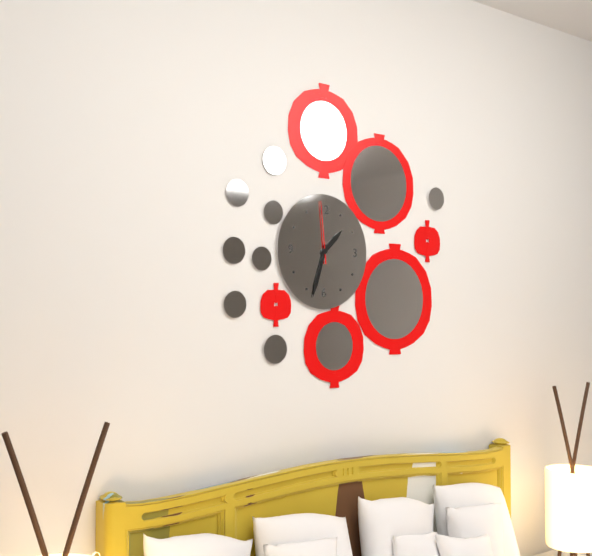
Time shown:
{"hour": 1, "minute": 33, "second": 59}
